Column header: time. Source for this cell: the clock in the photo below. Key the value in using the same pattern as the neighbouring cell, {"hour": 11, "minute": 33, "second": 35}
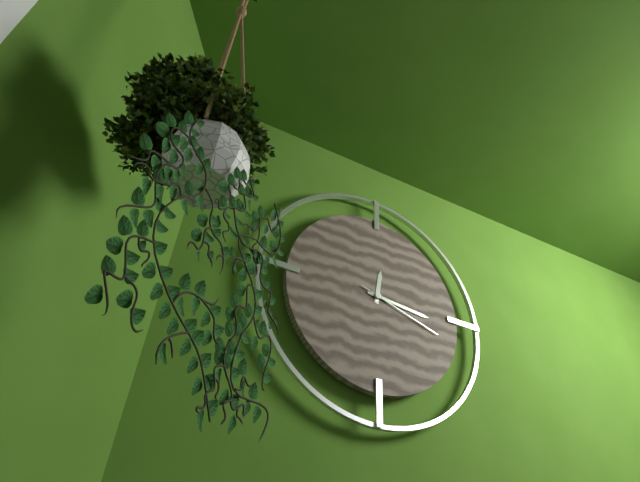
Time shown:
{"hour": 12, "minute": 16, "second": 18}
